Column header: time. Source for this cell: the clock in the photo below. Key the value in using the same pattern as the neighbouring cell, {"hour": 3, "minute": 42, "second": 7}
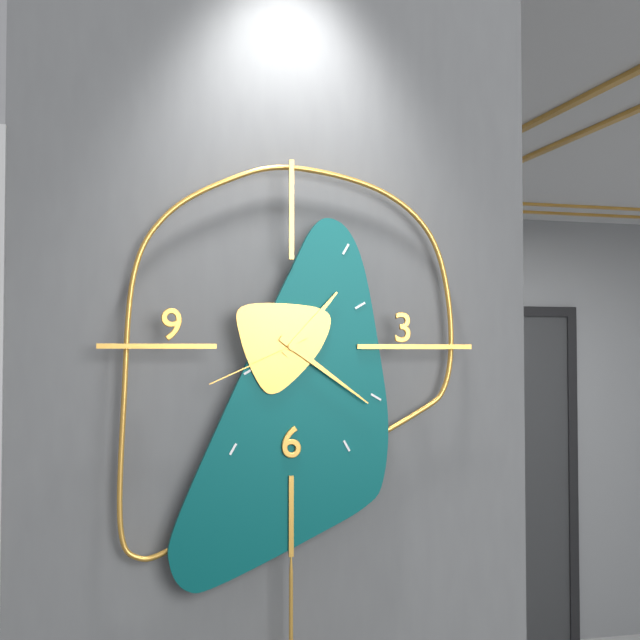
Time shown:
{"hour": 1, "minute": 21, "second": 41}
